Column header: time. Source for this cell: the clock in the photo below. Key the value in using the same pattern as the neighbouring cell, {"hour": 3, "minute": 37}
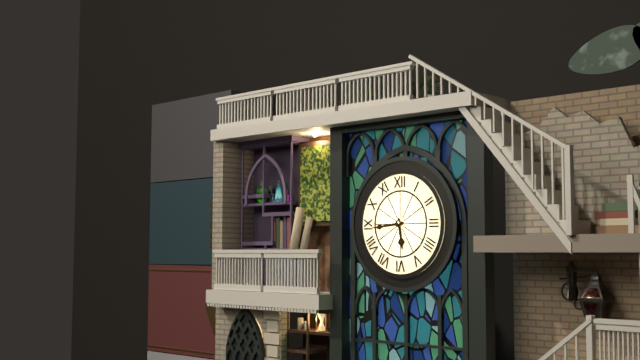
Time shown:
{"hour": 5, "minute": 44}
